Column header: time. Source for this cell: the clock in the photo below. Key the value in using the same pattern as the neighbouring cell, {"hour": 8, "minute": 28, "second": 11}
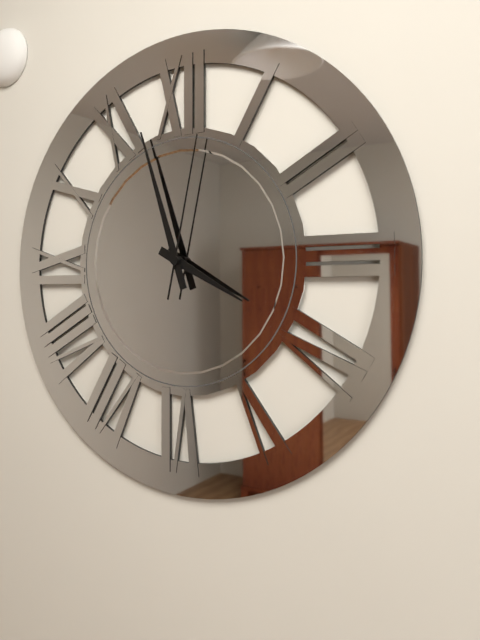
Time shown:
{"hour": 3, "minute": 57, "second": 2}
